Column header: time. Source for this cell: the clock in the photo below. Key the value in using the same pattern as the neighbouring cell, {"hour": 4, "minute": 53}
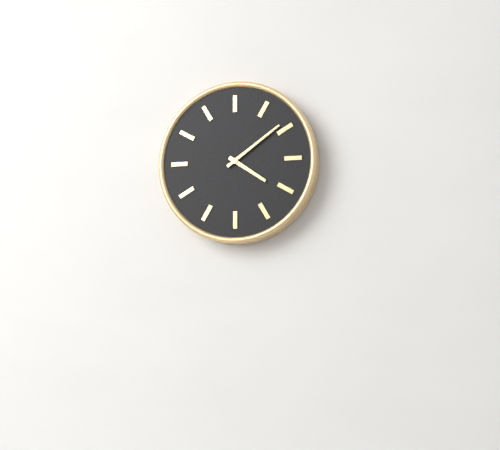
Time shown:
{"hour": 4, "minute": 9}
